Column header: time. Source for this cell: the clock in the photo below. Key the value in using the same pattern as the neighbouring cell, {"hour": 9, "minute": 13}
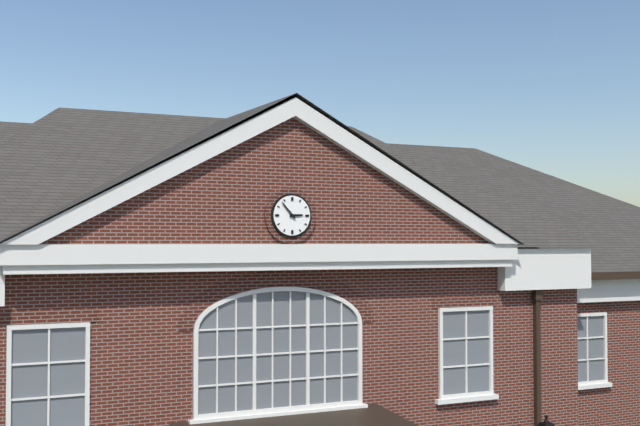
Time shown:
{"hour": 2, "minute": 53}
